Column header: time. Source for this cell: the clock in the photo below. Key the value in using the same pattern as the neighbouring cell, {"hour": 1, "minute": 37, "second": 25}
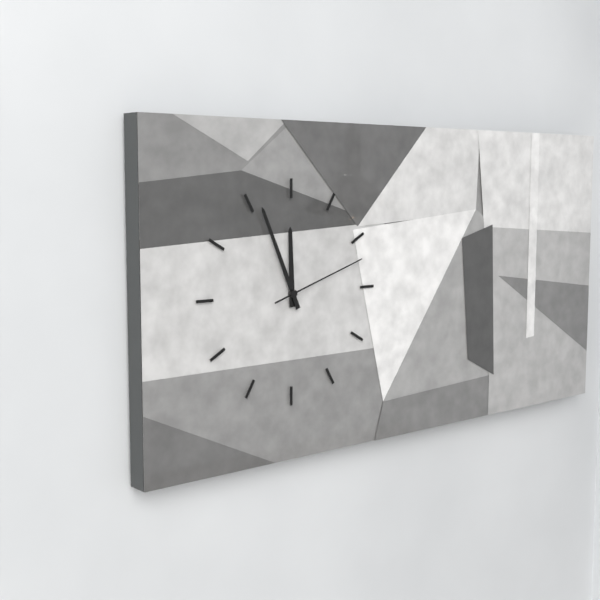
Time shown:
{"hour": 11, "minute": 56, "second": 12}
